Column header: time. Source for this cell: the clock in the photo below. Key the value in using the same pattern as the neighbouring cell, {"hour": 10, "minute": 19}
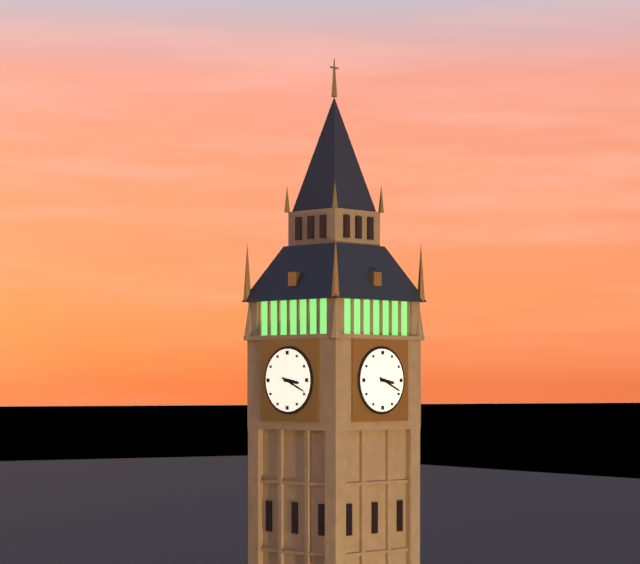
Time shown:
{"hour": 3, "minute": 19}
